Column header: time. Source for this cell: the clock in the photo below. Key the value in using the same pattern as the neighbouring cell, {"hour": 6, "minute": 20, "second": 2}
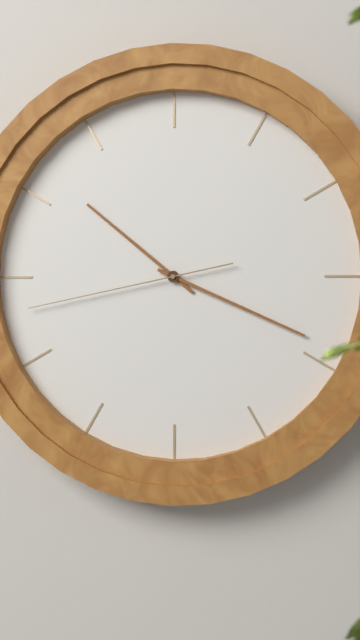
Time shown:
{"hour": 10, "minute": 19, "second": 43}
